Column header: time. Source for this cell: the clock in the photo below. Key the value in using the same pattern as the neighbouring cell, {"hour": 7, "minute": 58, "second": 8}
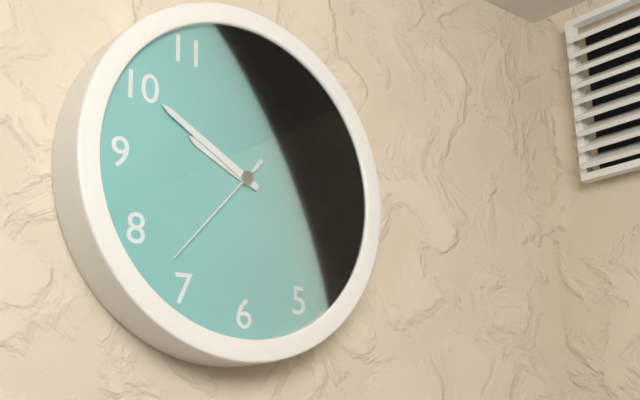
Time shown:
{"hour": 9, "minute": 50, "second": 37}
